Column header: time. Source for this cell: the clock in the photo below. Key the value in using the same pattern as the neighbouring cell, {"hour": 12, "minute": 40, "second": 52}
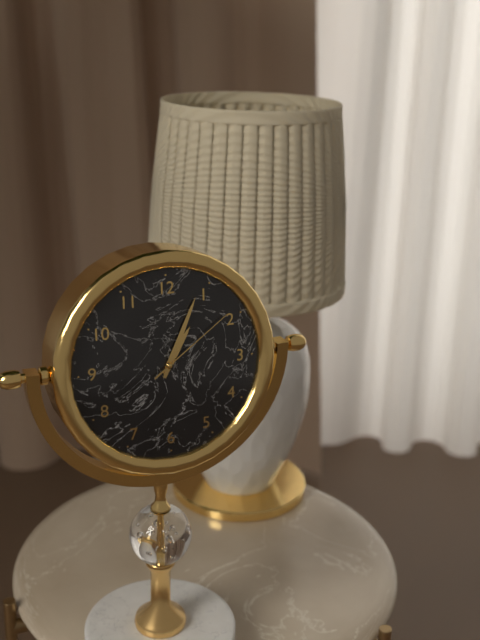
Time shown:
{"hour": 1, "minute": 4, "second": 9}
